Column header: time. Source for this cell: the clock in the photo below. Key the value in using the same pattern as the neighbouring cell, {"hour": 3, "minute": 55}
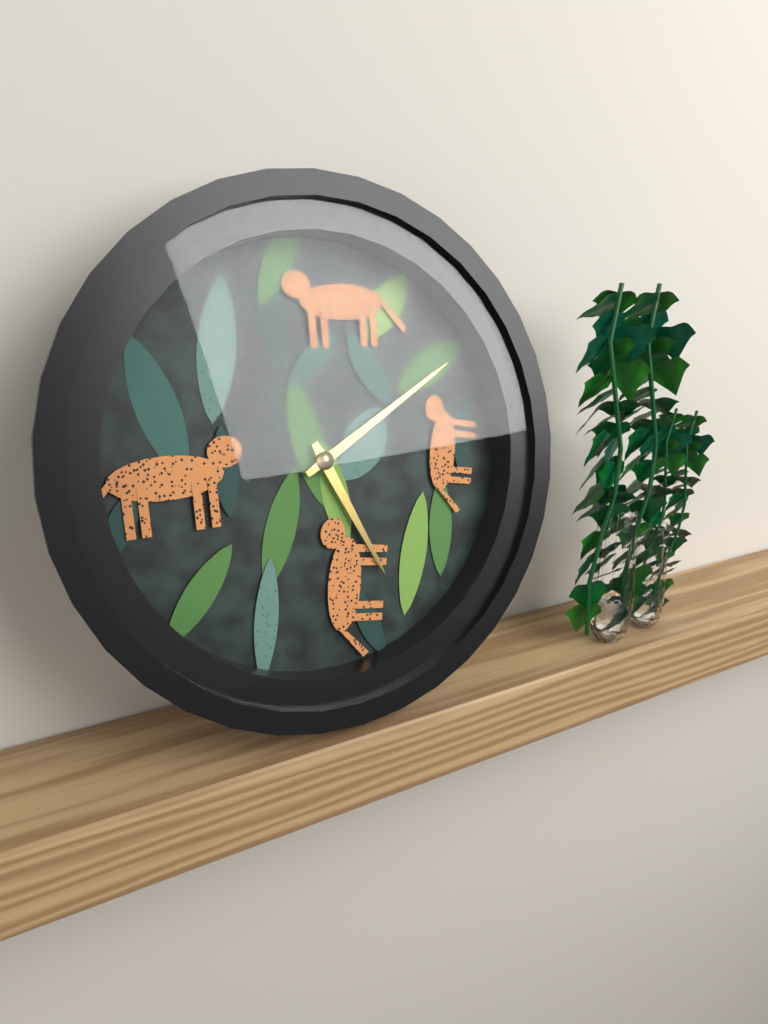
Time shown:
{"hour": 5, "minute": 10}
